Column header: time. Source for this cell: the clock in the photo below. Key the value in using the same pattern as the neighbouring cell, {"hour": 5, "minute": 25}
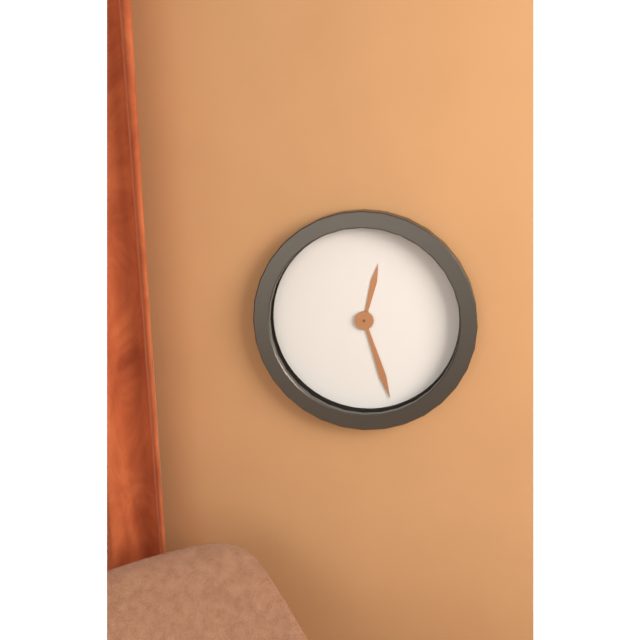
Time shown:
{"hour": 12, "minute": 27}
